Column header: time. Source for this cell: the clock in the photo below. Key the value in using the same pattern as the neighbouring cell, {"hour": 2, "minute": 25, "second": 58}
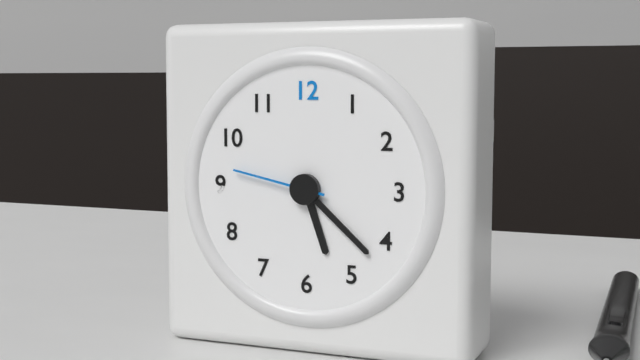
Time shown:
{"hour": 5, "minute": 22, "second": 47}
